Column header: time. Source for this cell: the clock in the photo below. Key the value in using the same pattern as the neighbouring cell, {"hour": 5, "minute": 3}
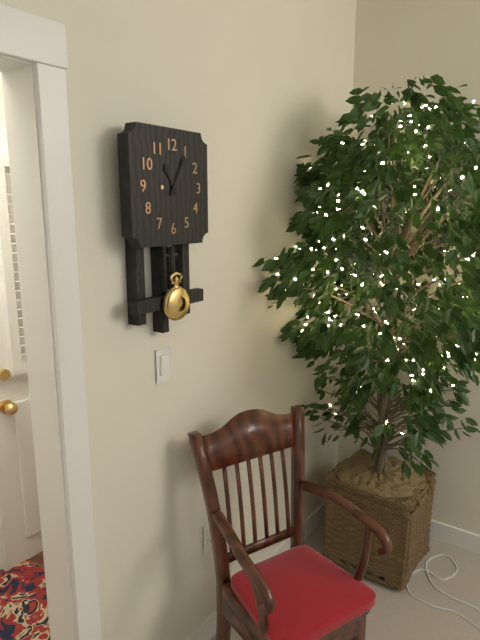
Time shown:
{"hour": 11, "minute": 5}
